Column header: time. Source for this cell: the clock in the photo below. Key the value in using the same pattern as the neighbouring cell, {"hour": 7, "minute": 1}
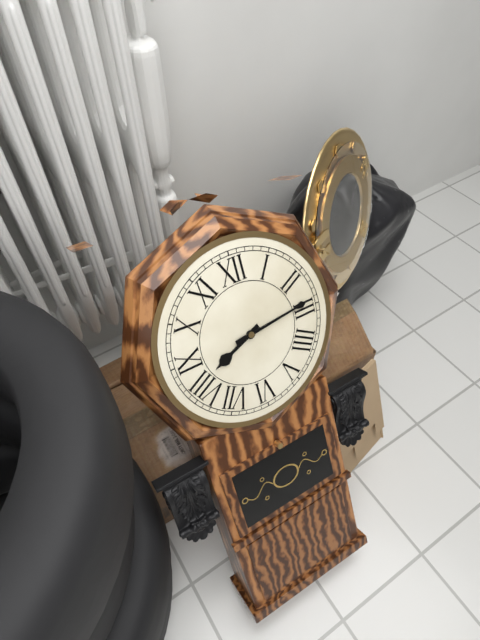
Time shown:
{"hour": 8, "minute": 14}
